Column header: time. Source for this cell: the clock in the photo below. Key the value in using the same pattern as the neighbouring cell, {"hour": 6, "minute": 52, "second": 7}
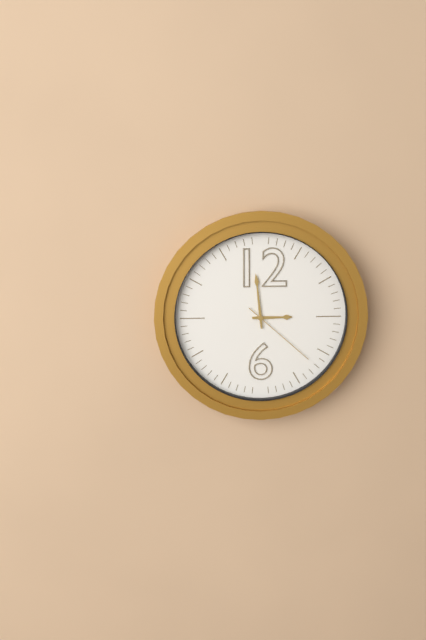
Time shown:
{"hour": 2, "minute": 59, "second": 22}
